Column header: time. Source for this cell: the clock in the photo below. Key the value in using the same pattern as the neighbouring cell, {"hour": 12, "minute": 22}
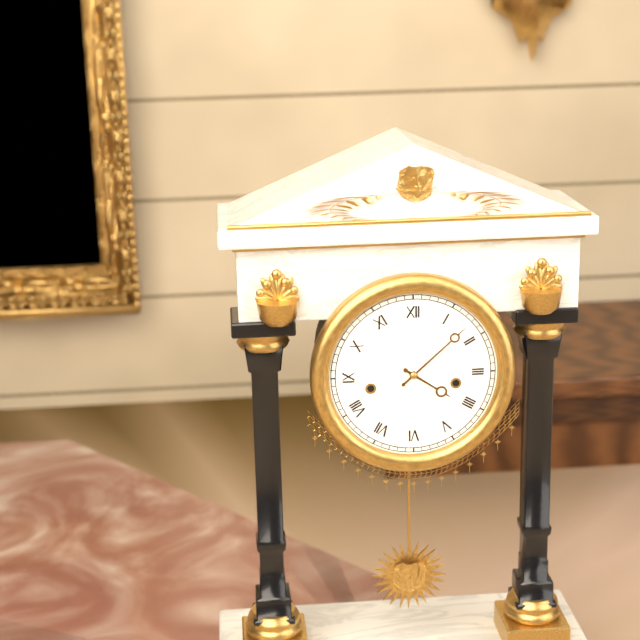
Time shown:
{"hour": 4, "minute": 8}
